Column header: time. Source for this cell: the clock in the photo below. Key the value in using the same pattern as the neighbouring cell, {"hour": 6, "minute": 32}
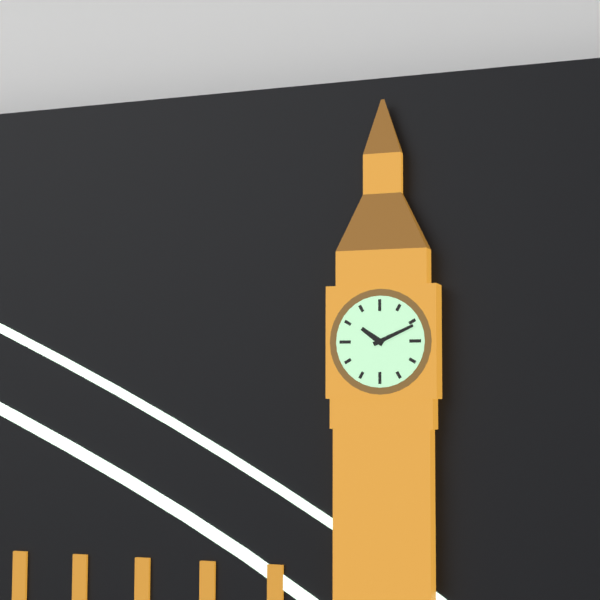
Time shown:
{"hour": 10, "minute": 11}
